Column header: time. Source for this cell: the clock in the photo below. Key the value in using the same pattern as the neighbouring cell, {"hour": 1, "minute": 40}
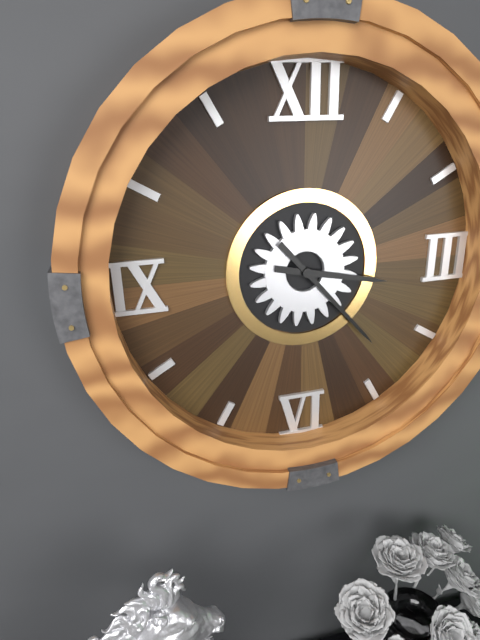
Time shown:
{"hour": 3, "minute": 23}
